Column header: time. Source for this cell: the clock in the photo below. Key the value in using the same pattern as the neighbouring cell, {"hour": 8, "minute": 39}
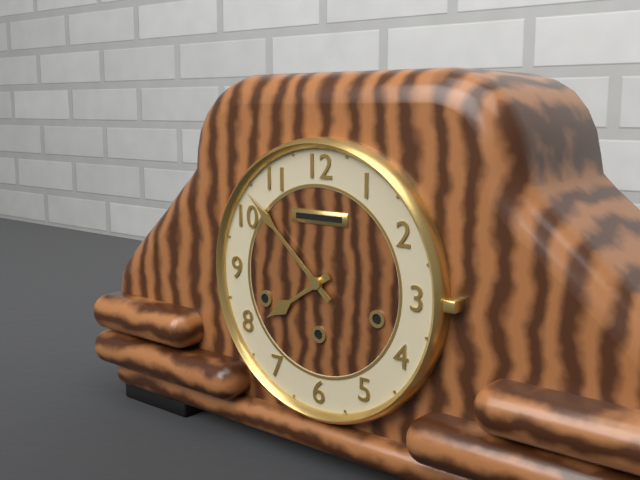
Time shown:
{"hour": 7, "minute": 52}
